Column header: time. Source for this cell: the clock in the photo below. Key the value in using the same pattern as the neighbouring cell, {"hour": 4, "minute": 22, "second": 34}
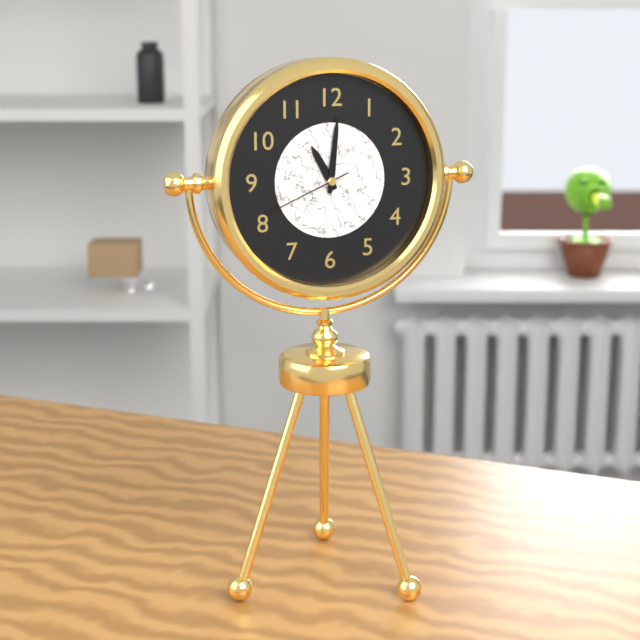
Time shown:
{"hour": 11, "minute": 1, "second": 41}
